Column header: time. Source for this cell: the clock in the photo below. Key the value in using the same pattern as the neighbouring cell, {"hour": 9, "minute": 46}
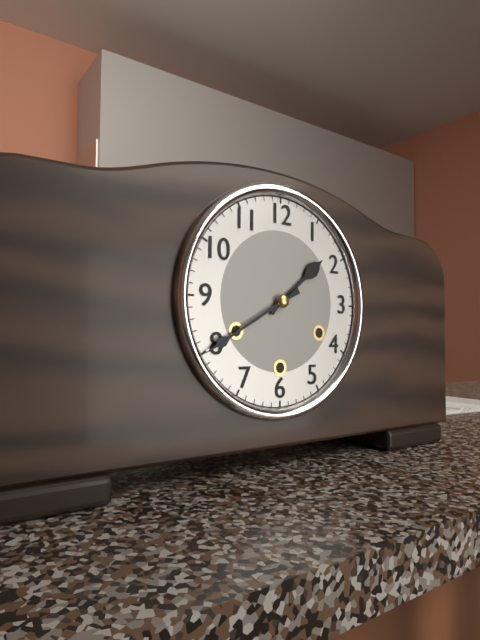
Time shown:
{"hour": 1, "minute": 40}
